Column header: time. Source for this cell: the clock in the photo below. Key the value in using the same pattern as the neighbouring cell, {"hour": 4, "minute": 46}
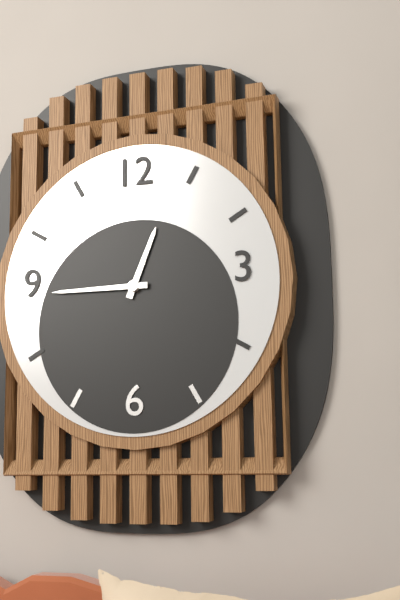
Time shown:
{"hour": 12, "minute": 45}
